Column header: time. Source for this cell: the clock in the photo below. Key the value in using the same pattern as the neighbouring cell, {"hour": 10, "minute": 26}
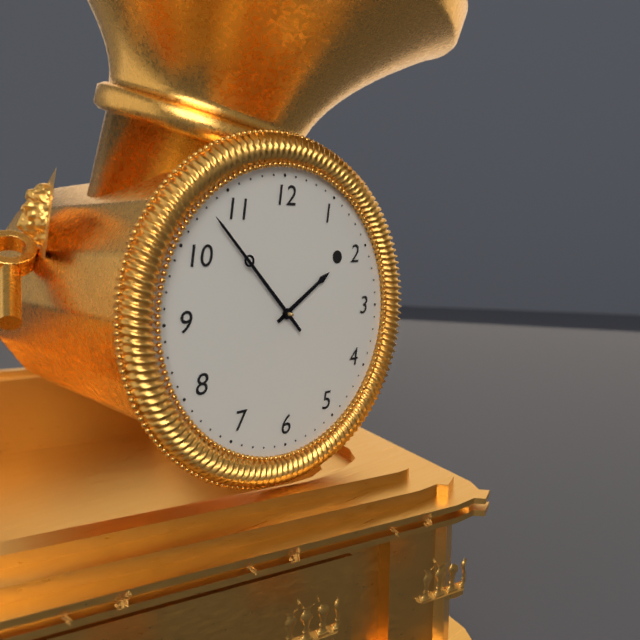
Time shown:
{"hour": 1, "minute": 53}
